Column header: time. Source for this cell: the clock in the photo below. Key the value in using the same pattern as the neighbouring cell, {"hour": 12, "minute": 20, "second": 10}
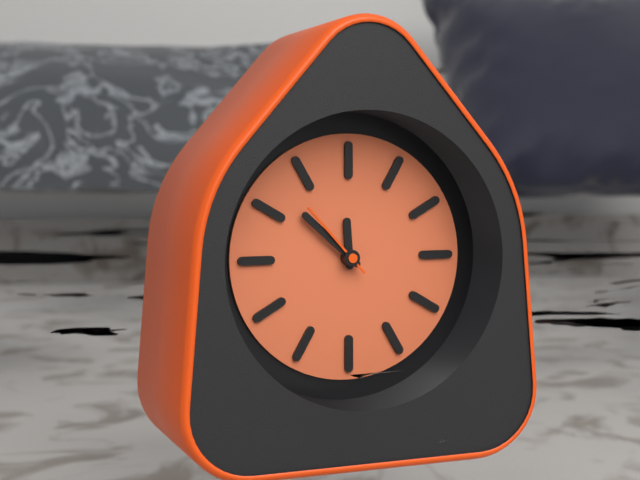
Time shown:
{"hour": 11, "minute": 52, "second": 53}
